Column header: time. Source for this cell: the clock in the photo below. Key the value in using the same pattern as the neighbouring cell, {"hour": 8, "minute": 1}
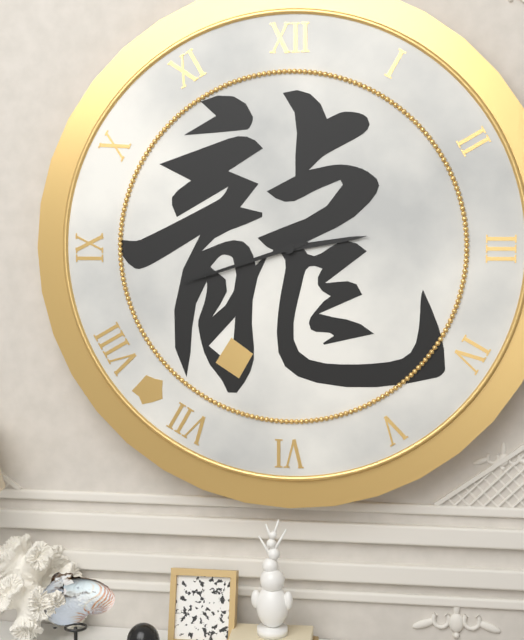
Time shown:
{"hour": 2, "minute": 42}
